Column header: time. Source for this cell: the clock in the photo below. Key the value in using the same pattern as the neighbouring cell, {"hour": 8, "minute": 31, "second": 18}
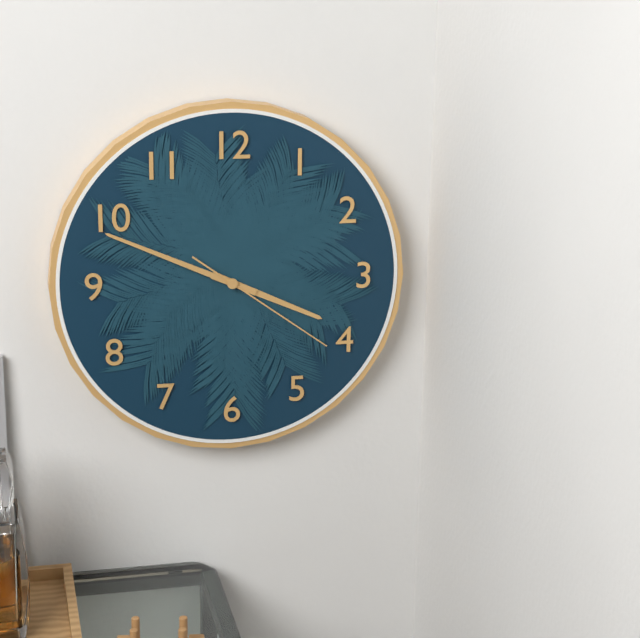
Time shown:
{"hour": 3, "minute": 49, "second": 21}
